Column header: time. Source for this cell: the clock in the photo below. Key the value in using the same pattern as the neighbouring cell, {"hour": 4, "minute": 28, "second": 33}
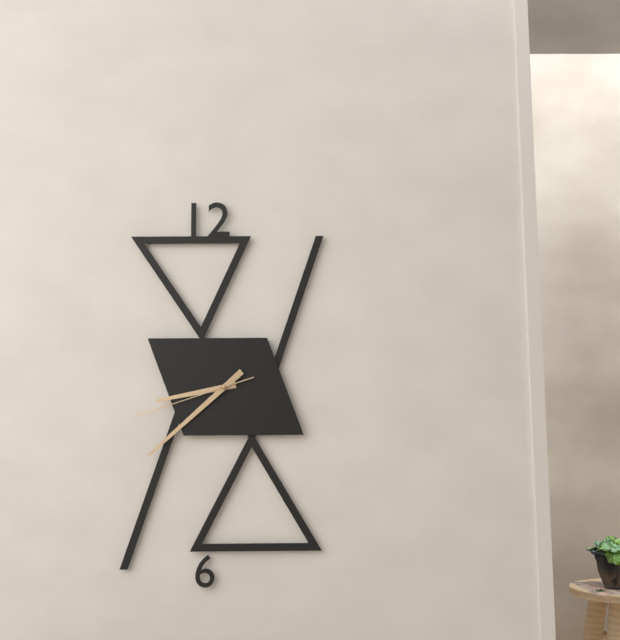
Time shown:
{"hour": 8, "minute": 38, "second": 42}
